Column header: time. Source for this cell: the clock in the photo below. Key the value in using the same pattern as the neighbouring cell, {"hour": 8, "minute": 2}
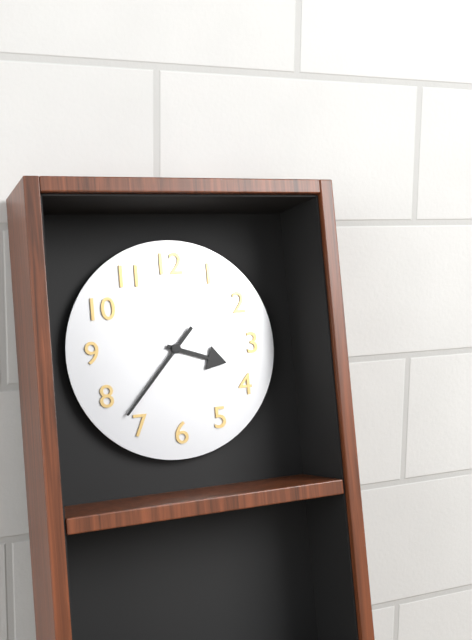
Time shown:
{"hour": 3, "minute": 37}
